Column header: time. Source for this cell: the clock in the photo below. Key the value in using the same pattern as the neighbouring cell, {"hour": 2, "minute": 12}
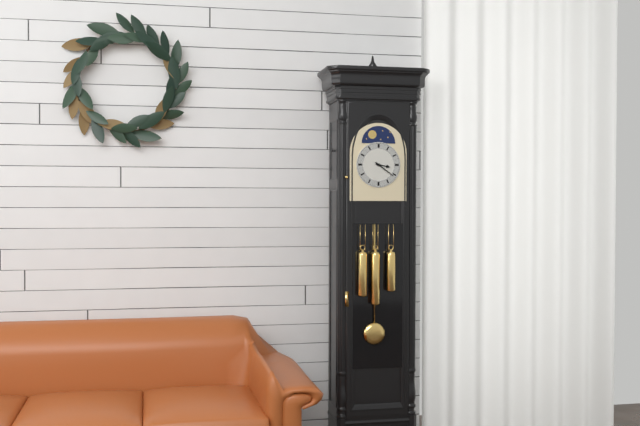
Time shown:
{"hour": 3, "minute": 21}
